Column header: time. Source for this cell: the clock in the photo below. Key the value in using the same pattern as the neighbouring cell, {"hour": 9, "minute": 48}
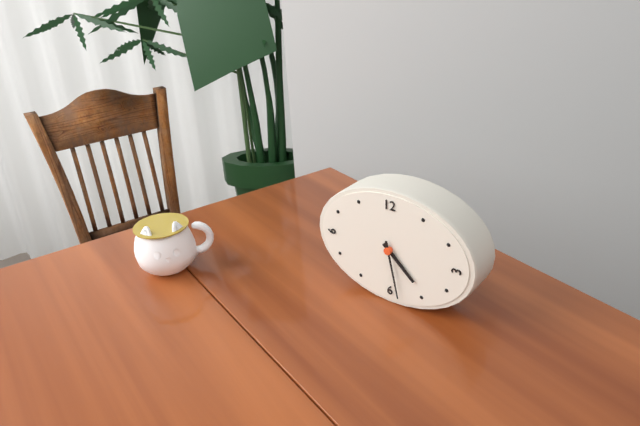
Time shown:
{"hour": 4, "minute": 28}
